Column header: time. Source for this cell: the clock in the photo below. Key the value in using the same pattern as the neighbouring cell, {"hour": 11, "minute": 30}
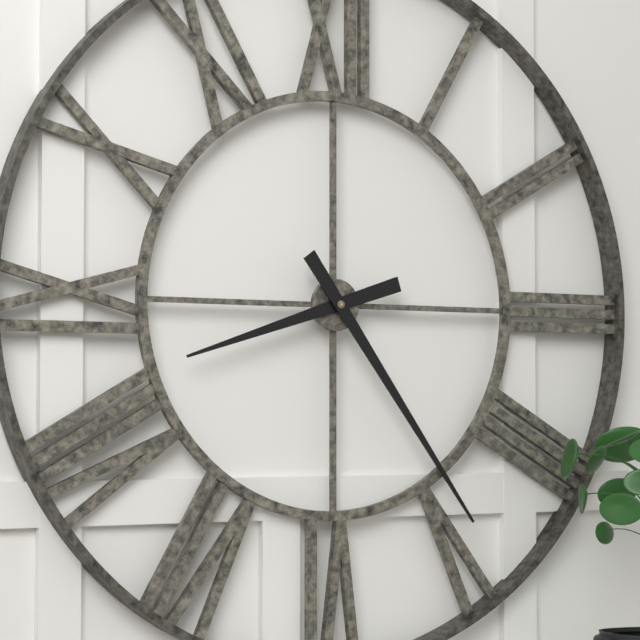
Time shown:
{"hour": 8, "minute": 24}
